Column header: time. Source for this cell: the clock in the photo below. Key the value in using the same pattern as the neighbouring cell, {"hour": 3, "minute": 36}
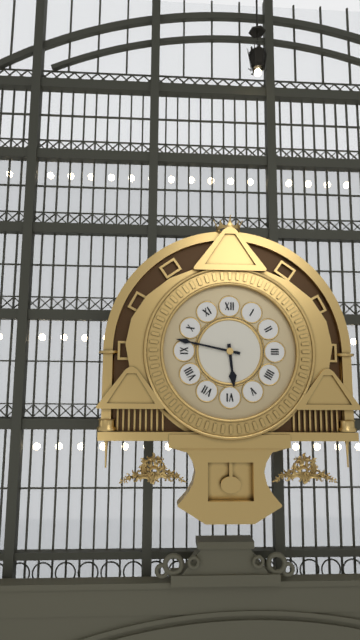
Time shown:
{"hour": 5, "minute": 47}
